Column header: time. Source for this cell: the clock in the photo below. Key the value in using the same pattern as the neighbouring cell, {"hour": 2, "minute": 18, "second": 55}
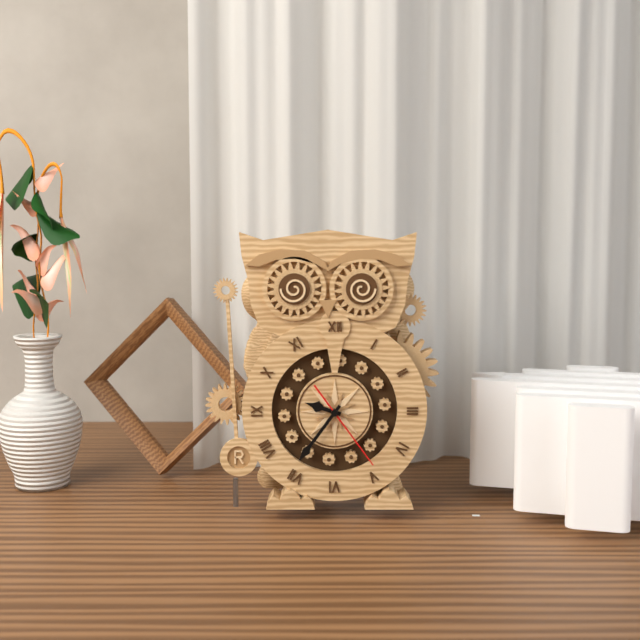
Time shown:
{"hour": 9, "minute": 36, "second": 24}
